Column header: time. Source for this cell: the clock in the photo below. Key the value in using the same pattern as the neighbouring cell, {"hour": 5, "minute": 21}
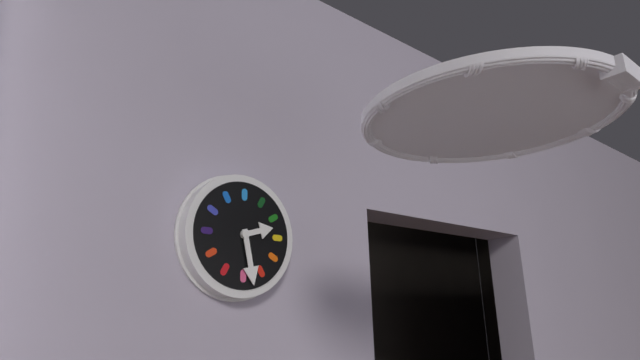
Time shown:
{"hour": 2, "minute": 28}
